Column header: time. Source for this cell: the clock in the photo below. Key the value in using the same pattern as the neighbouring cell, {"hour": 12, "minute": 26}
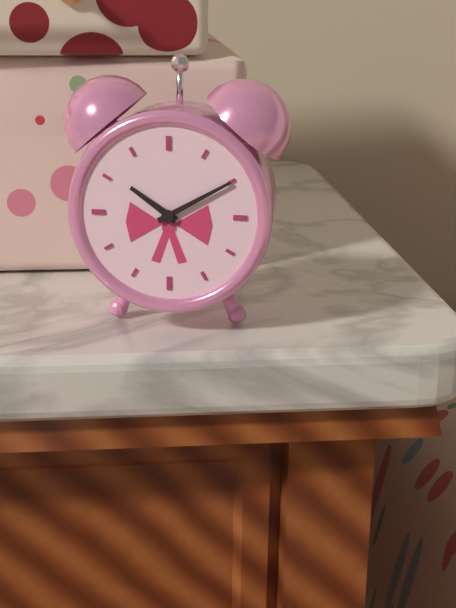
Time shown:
{"hour": 10, "minute": 10}
